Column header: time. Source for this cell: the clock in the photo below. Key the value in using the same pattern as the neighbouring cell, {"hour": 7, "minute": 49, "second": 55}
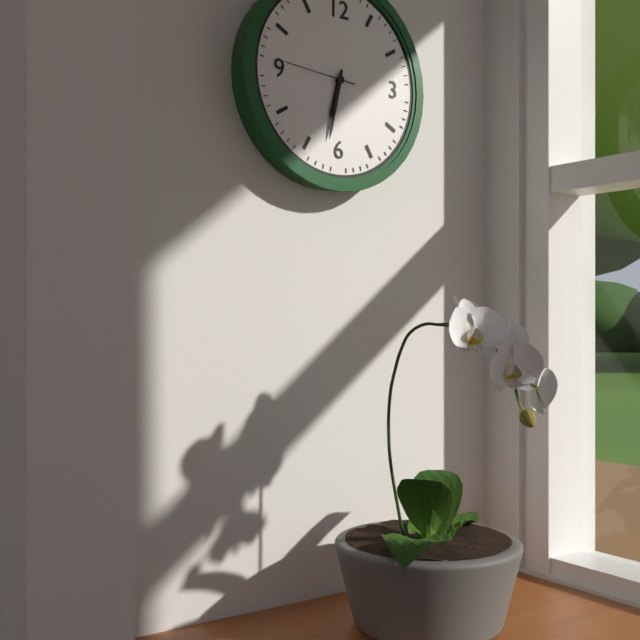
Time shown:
{"hour": 6, "minute": 32, "second": 46}
